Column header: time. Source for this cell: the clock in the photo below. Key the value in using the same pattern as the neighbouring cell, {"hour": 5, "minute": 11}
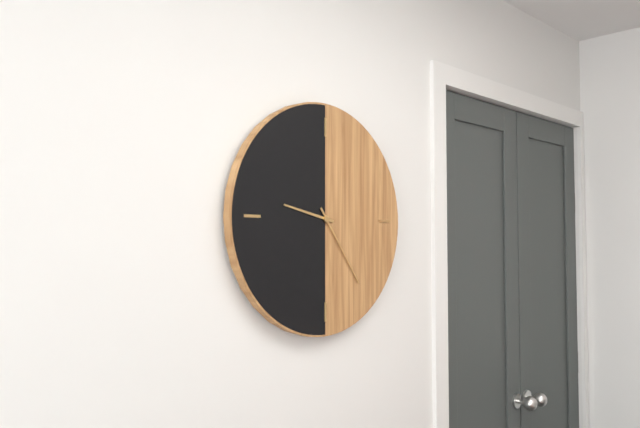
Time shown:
{"hour": 9, "minute": 24}
